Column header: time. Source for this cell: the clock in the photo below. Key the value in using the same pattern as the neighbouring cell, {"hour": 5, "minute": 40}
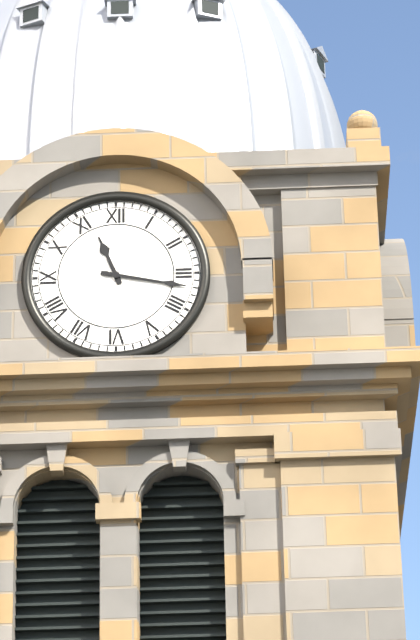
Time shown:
{"hour": 11, "minute": 17}
